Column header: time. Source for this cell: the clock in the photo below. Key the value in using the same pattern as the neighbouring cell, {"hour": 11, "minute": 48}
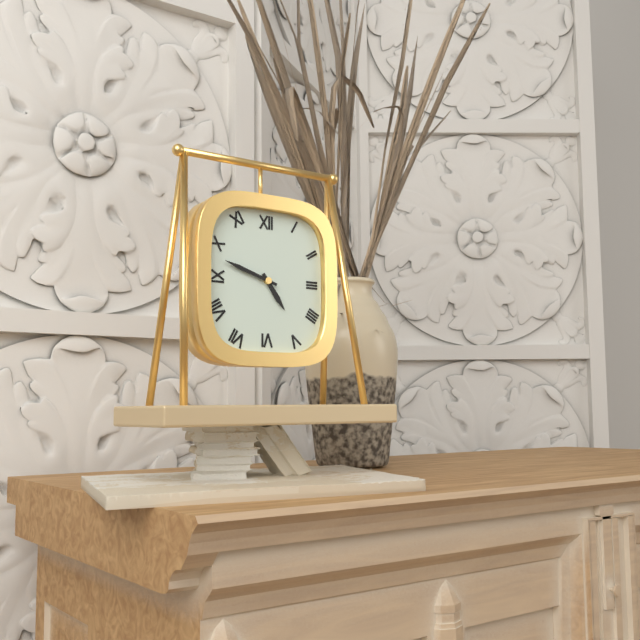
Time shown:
{"hour": 4, "minute": 48}
